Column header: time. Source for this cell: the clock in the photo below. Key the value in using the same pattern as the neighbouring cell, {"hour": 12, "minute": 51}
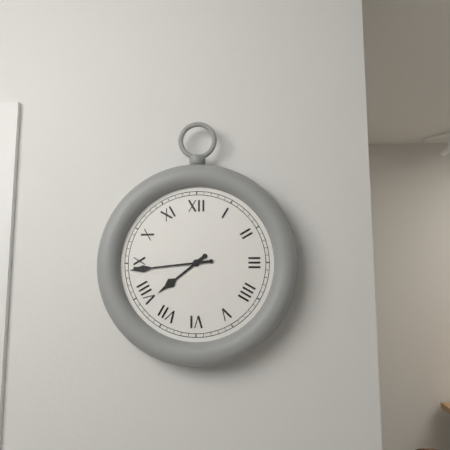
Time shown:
{"hour": 7, "minute": 44}
